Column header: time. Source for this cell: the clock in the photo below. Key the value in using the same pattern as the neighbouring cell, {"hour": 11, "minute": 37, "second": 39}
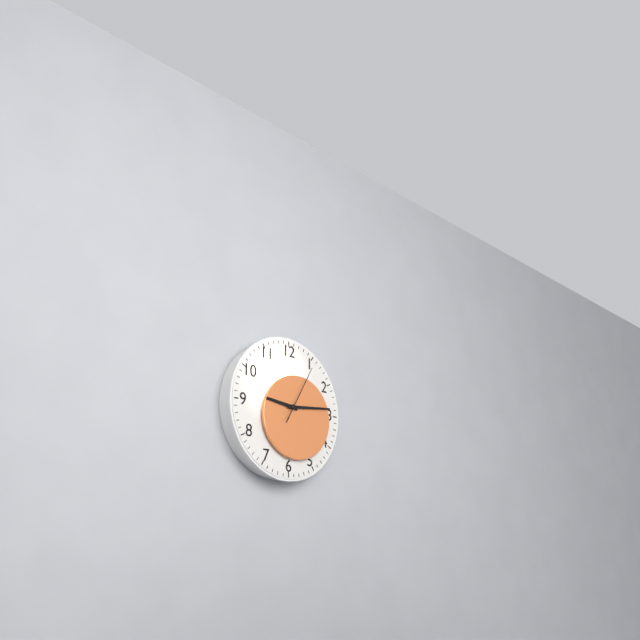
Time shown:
{"hour": 9, "minute": 14, "second": 5}
